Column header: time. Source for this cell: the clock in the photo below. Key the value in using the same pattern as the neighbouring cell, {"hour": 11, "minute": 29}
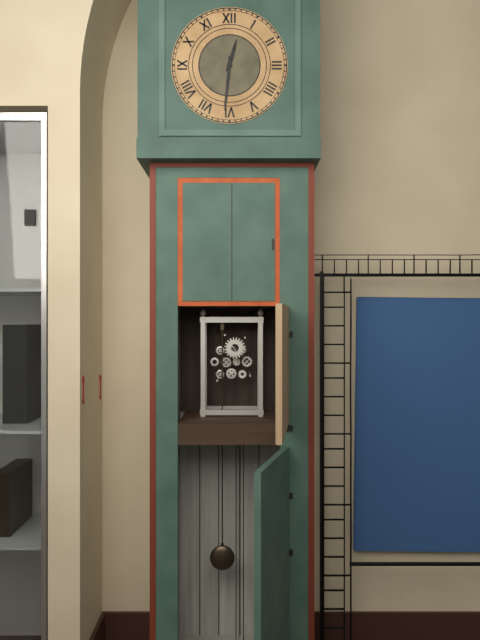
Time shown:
{"hour": 12, "minute": 31}
